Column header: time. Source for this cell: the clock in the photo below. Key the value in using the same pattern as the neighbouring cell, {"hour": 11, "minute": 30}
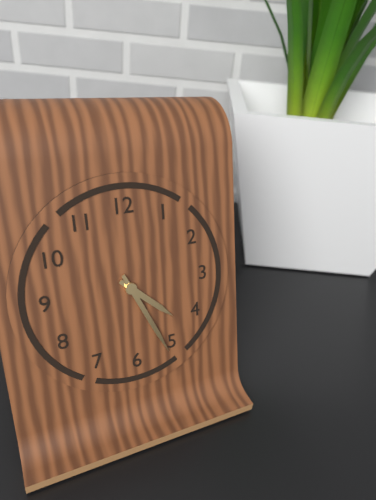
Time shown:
{"hour": 4, "minute": 26}
